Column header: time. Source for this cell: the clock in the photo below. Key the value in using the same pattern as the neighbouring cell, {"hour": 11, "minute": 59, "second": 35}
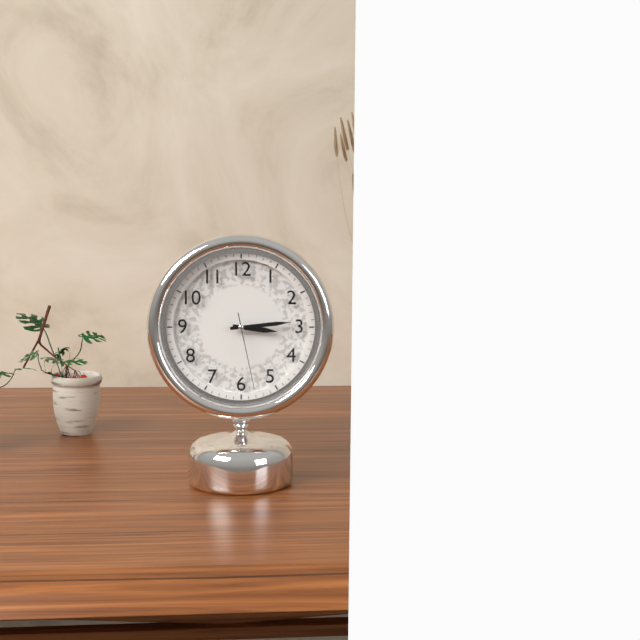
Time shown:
{"hour": 3, "minute": 14, "second": 28}
